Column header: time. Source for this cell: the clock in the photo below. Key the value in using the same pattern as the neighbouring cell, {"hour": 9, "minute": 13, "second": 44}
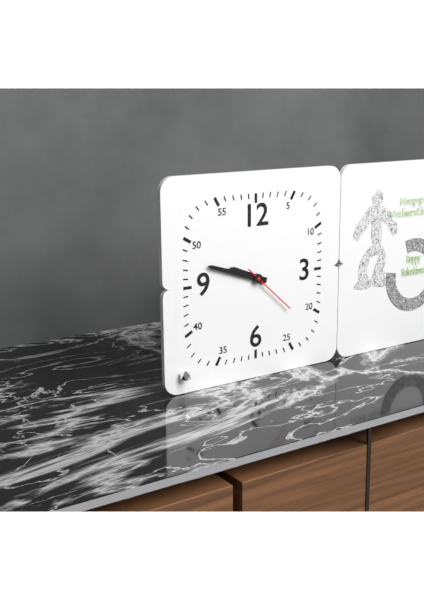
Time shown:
{"hour": 9, "minute": 48, "second": 22}
